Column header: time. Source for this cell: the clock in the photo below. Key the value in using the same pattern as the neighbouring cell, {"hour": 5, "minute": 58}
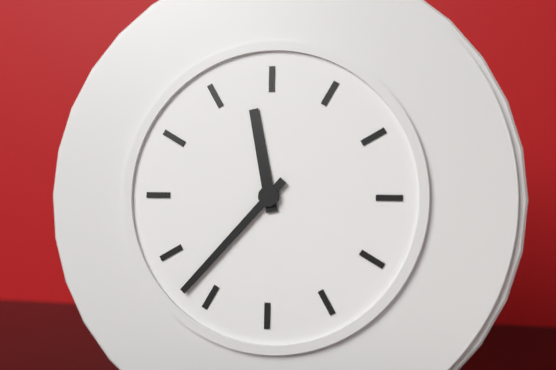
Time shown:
{"hour": 11, "minute": 37}
